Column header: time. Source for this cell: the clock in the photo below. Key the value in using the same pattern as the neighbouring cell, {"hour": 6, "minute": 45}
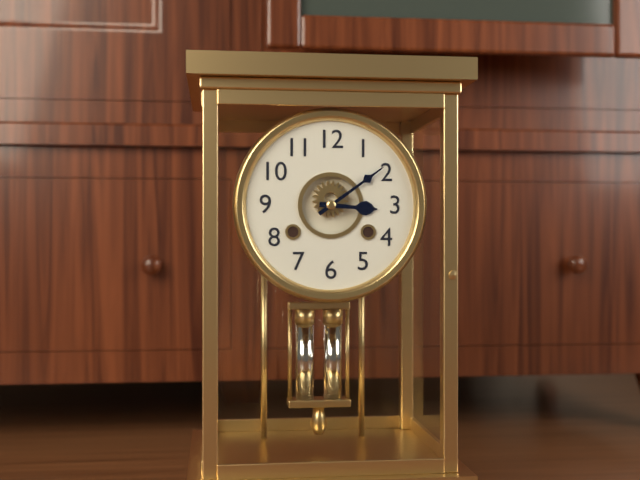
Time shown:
{"hour": 3, "minute": 9}
